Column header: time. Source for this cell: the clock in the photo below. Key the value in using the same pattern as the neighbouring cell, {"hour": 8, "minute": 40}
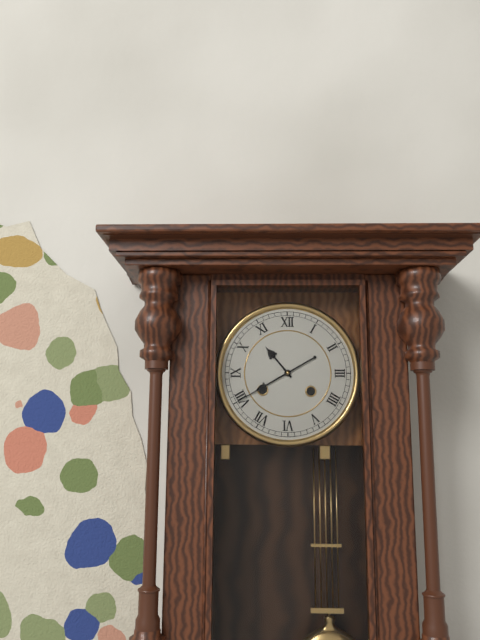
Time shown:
{"hour": 10, "minute": 40}
